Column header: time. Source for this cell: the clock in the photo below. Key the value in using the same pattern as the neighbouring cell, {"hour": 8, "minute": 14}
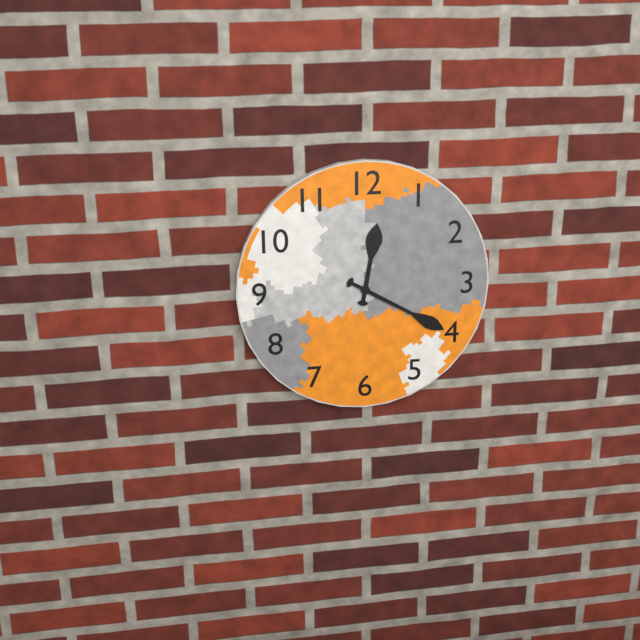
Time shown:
{"hour": 12, "minute": 20}
